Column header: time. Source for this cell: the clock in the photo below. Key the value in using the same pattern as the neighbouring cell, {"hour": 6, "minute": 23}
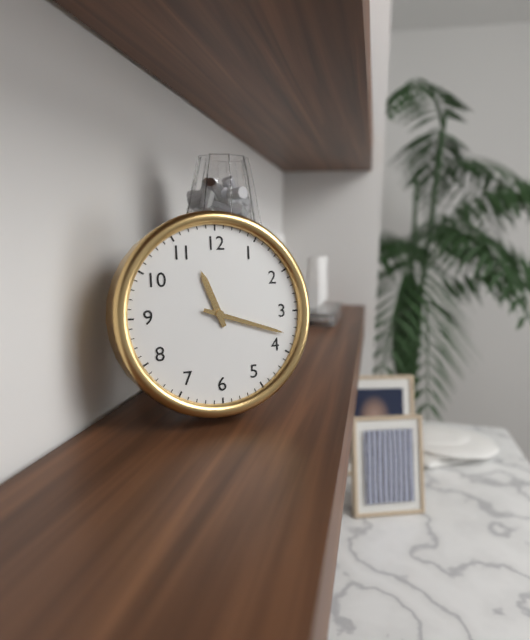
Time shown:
{"hour": 11, "minute": 18}
